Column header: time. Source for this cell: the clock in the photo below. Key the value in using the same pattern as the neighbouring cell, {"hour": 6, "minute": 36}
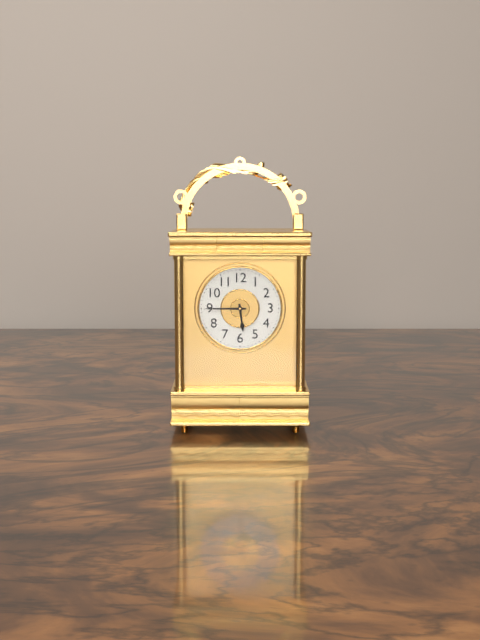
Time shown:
{"hour": 5, "minute": 45}
